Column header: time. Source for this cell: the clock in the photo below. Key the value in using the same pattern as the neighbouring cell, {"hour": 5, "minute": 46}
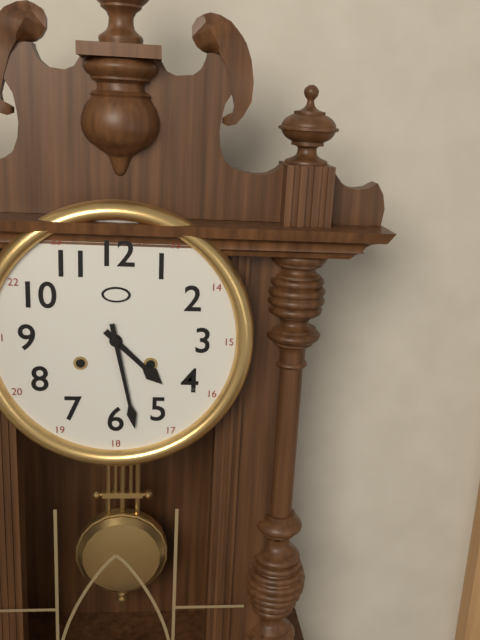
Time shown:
{"hour": 4, "minute": 28}
